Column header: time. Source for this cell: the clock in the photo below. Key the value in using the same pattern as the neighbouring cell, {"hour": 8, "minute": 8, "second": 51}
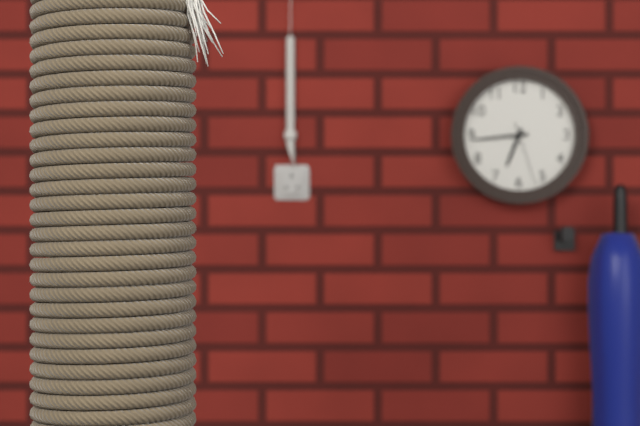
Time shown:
{"hour": 6, "minute": 44, "second": 27}
